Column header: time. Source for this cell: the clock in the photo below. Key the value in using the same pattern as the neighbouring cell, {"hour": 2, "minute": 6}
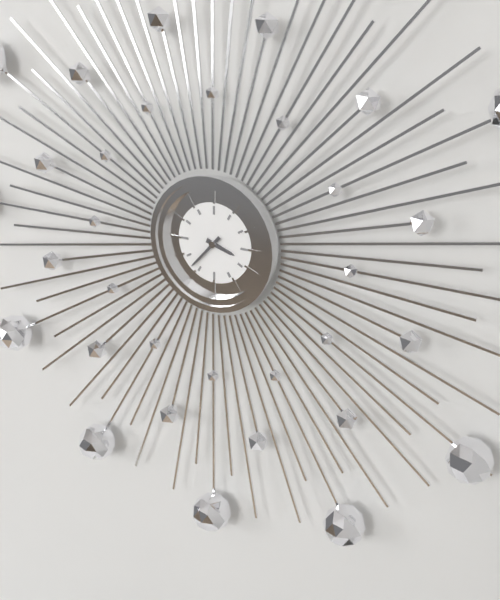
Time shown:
{"hour": 3, "minute": 37}
